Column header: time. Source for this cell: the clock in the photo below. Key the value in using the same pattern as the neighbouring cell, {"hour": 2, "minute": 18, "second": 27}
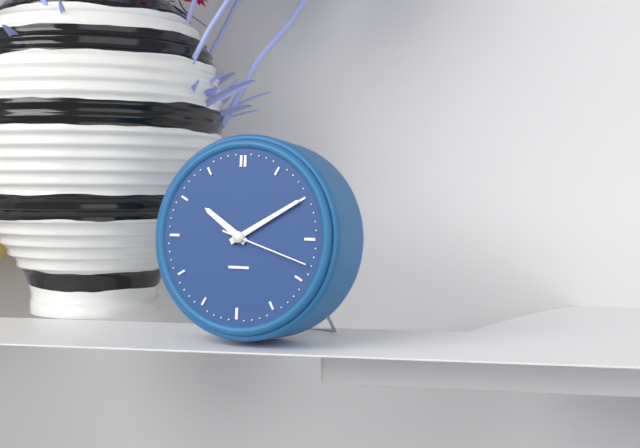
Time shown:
{"hour": 10, "minute": 10, "second": 18}
